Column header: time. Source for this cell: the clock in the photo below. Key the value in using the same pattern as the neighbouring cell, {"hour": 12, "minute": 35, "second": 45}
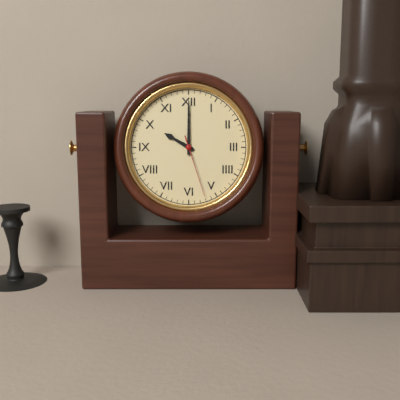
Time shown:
{"hour": 10, "minute": 0, "second": 27}
